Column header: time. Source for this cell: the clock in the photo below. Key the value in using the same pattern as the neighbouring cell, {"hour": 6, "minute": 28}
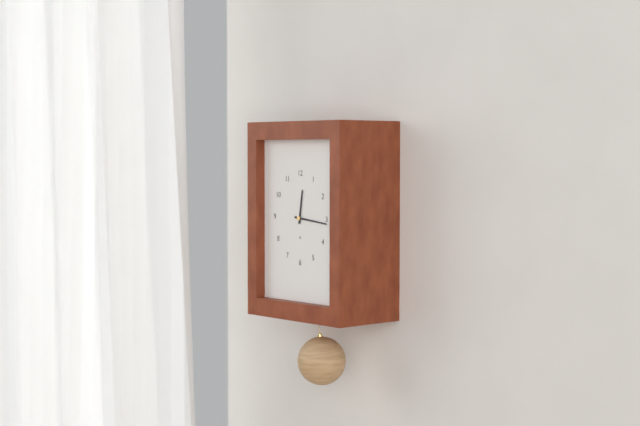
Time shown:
{"hour": 12, "minute": 16}
